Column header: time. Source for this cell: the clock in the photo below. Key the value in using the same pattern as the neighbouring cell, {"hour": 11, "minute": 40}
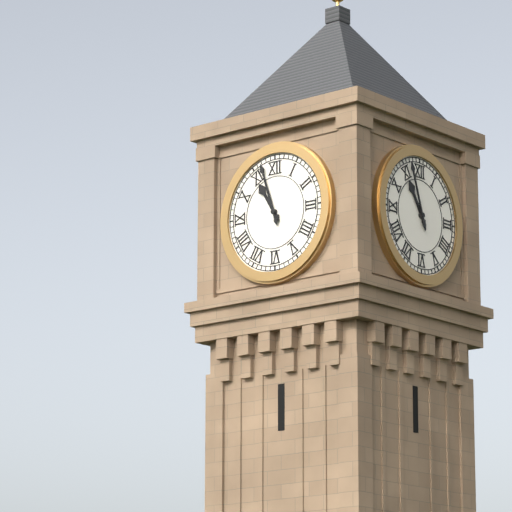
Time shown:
{"hour": 10, "minute": 57}
